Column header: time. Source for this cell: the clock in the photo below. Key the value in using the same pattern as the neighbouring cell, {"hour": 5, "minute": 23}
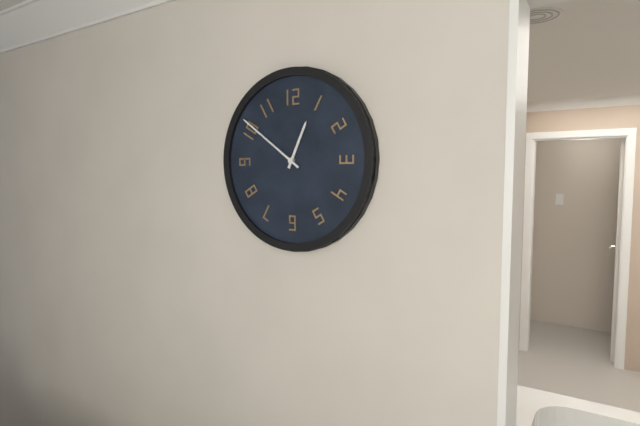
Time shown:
{"hour": 12, "minute": 51}
